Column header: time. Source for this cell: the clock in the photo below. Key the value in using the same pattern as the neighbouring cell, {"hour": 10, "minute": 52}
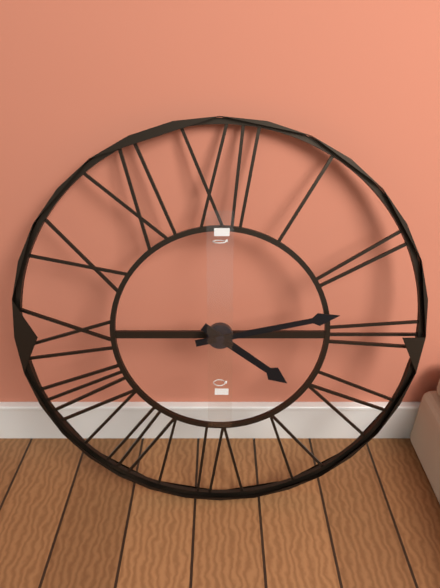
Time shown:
{"hour": 4, "minute": 13}
